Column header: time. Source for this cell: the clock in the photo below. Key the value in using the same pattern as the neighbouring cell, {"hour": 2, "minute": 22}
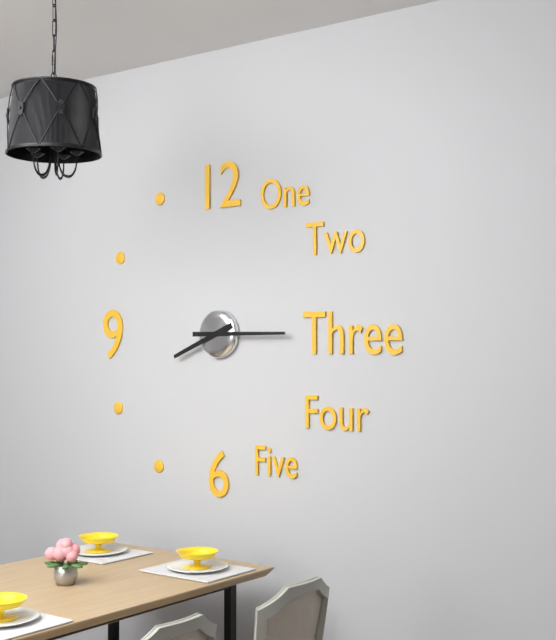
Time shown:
{"hour": 8, "minute": 15}
